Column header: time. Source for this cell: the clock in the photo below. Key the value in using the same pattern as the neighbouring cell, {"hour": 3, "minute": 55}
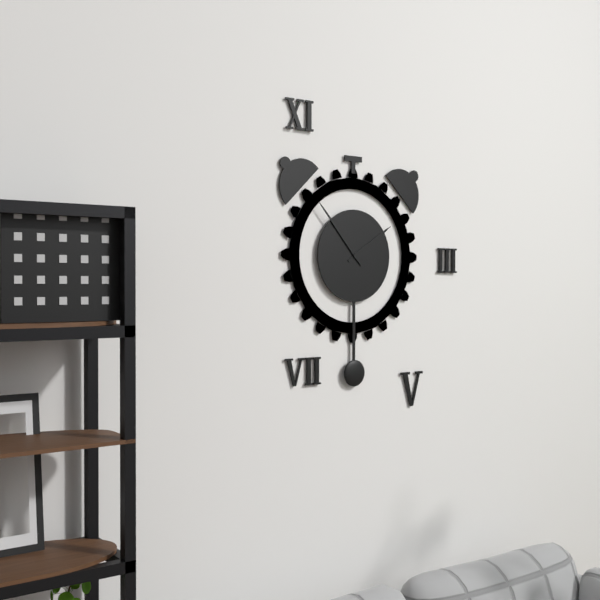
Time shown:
{"hour": 1, "minute": 53}
